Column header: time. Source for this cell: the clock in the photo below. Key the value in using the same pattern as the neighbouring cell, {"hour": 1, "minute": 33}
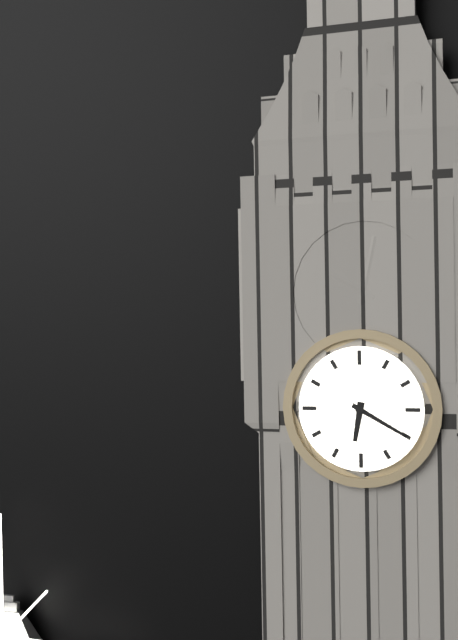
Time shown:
{"hour": 6, "minute": 20}
